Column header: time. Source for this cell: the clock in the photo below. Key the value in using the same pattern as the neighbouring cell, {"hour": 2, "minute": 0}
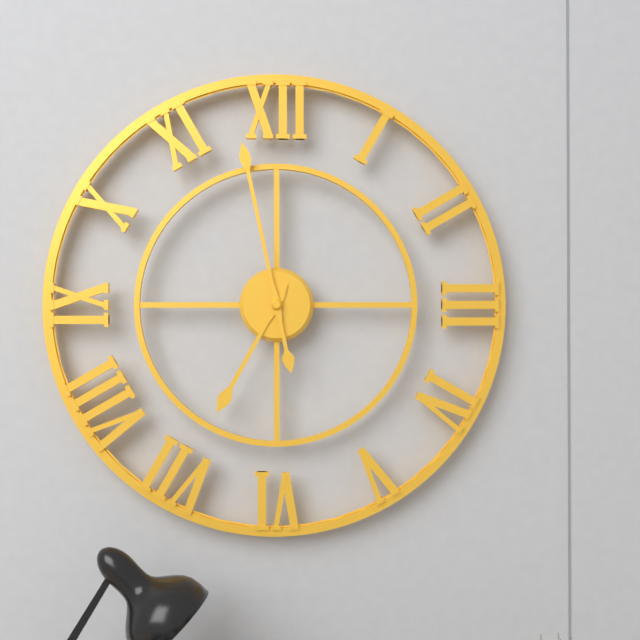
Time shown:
{"hour": 6, "minute": 58}
